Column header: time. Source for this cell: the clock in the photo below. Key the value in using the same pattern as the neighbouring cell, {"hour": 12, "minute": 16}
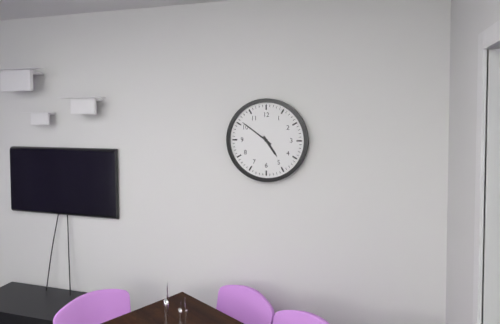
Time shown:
{"hour": 4, "minute": 51}
